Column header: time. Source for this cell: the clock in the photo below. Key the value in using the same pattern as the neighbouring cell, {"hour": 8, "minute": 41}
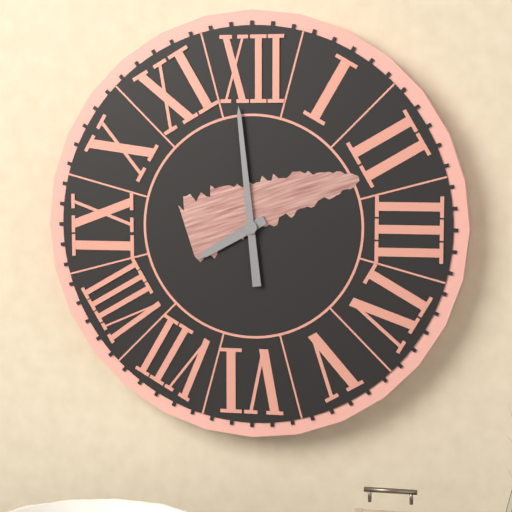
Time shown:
{"hour": 7, "minute": 59}
